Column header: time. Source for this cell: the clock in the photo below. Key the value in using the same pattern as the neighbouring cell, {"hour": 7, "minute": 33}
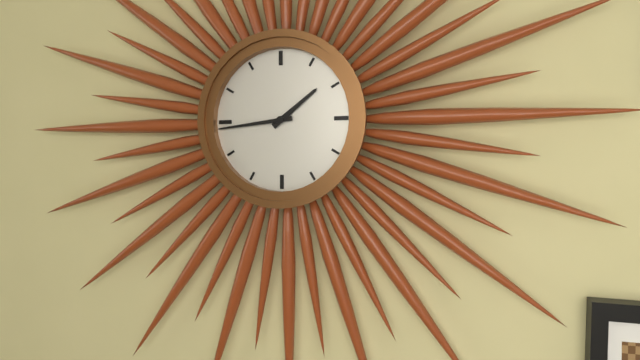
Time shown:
{"hour": 1, "minute": 44}
